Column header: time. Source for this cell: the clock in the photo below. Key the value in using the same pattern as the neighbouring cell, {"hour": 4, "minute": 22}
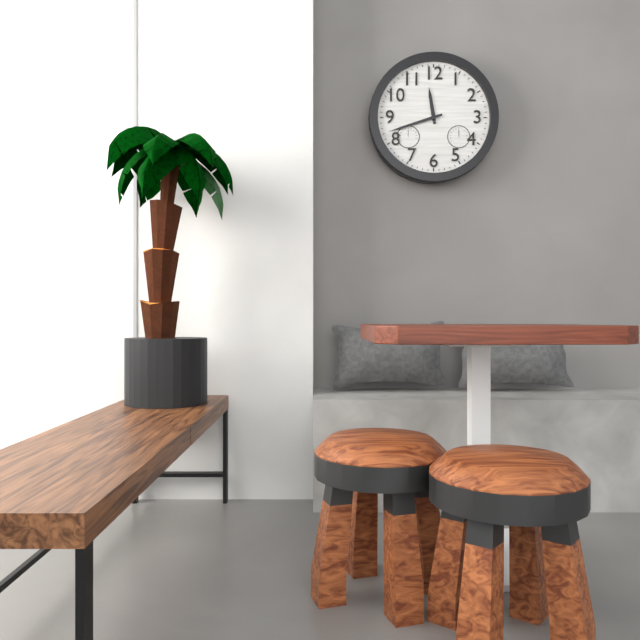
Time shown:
{"hour": 11, "minute": 42}
